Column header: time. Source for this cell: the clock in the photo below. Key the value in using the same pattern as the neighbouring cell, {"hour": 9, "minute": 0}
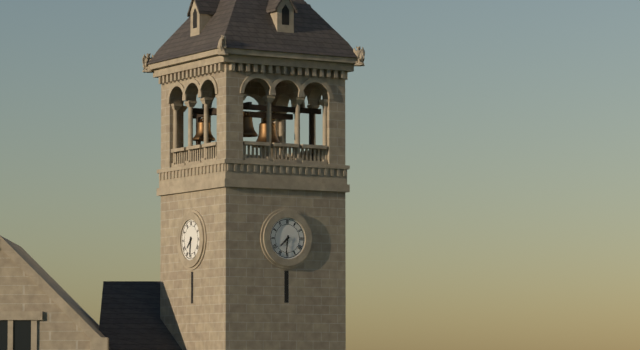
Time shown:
{"hour": 7, "minute": 31}
